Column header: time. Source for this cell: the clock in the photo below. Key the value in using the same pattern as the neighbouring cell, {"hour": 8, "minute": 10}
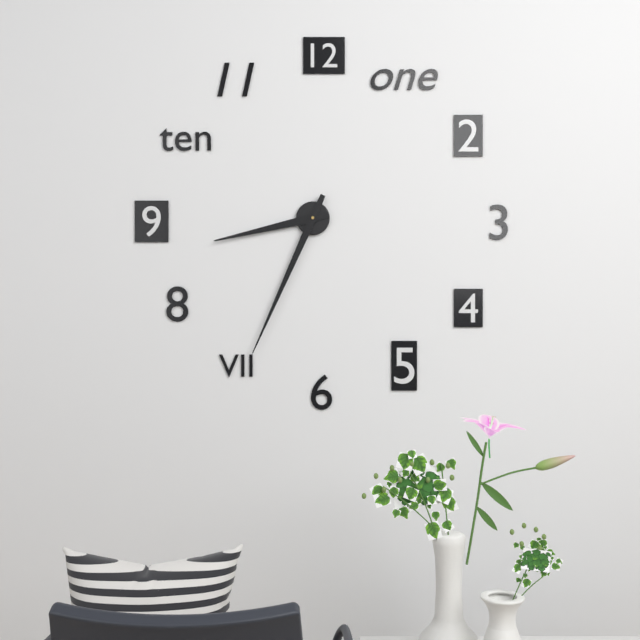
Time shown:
{"hour": 8, "minute": 34}
